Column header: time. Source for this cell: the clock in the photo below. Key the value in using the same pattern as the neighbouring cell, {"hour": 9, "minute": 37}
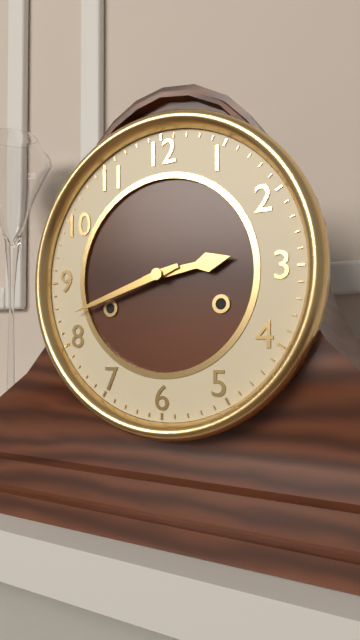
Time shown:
{"hour": 2, "minute": 42}
